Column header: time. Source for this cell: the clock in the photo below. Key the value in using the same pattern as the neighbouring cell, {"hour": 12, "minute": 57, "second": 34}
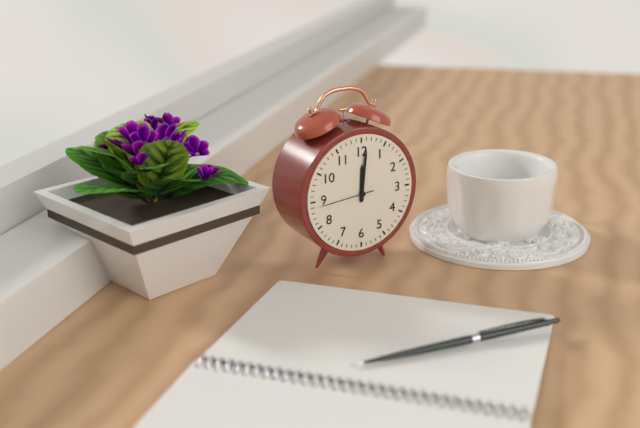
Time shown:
{"hour": 12, "minute": 1, "second": 44}
